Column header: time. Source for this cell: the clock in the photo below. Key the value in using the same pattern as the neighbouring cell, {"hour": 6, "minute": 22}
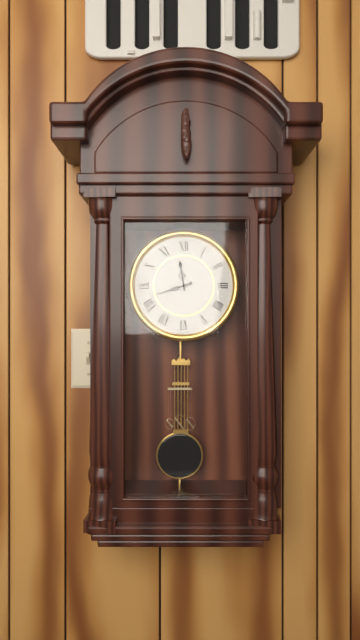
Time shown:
{"hour": 11, "minute": 42}
